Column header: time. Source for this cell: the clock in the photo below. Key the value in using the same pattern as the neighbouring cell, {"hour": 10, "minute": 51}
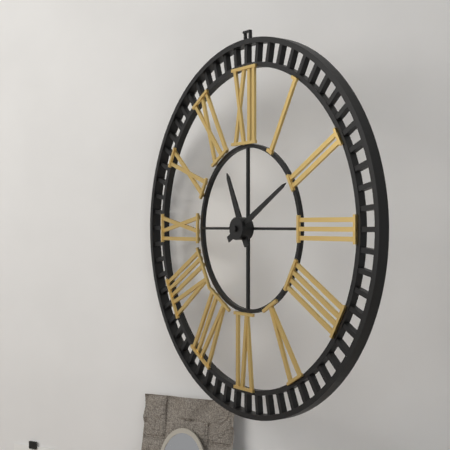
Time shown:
{"hour": 11, "minute": 10}
